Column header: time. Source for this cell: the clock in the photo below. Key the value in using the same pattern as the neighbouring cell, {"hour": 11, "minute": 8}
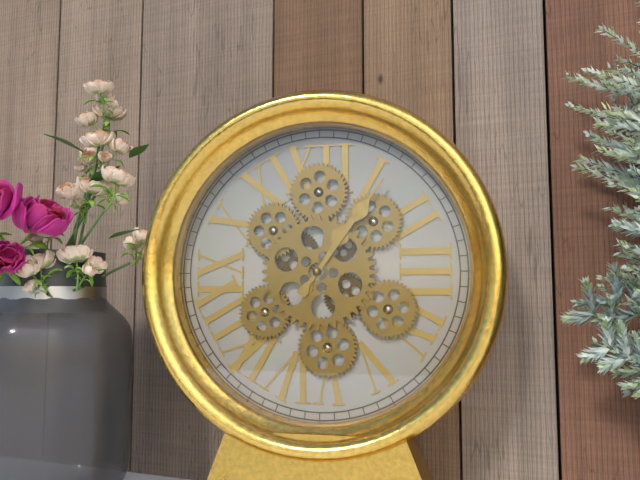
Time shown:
{"hour": 1, "minute": 6}
